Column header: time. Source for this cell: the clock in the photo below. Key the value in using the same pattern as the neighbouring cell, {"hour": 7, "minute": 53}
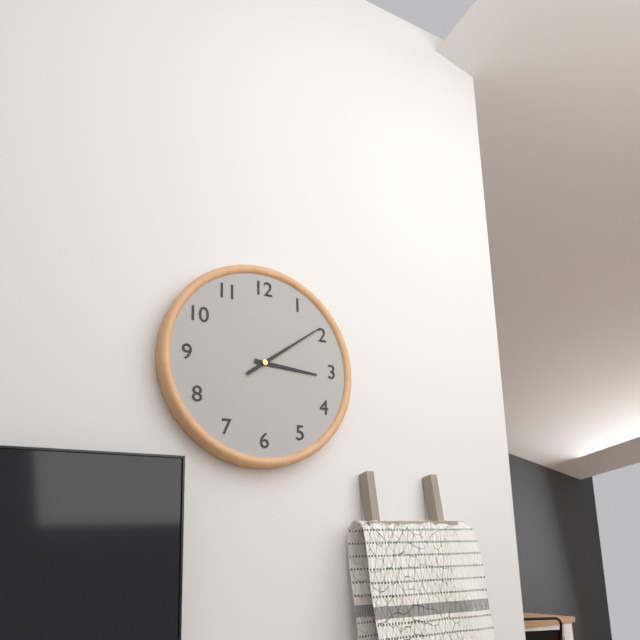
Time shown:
{"hour": 3, "minute": 9}
